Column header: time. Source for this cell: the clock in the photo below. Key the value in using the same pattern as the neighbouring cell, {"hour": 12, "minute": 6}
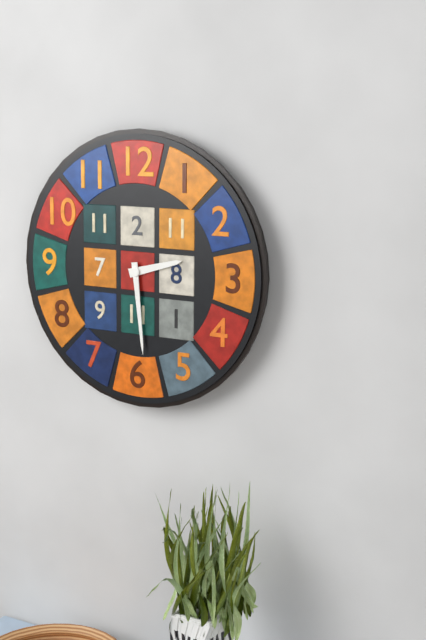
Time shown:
{"hour": 2, "minute": 29}
